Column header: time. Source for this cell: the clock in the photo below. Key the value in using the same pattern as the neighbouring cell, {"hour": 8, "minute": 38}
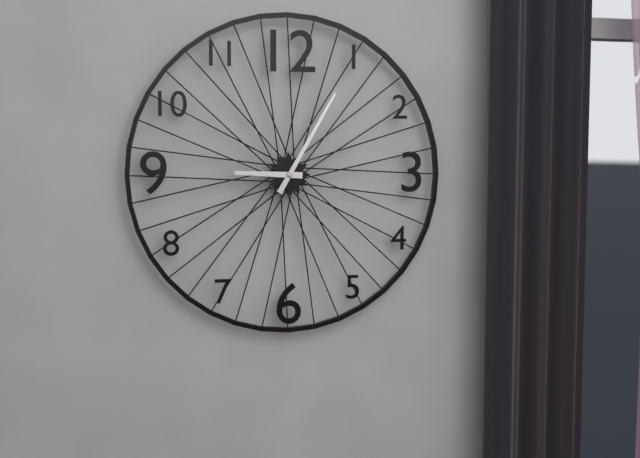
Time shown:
{"hour": 9, "minute": 5}
